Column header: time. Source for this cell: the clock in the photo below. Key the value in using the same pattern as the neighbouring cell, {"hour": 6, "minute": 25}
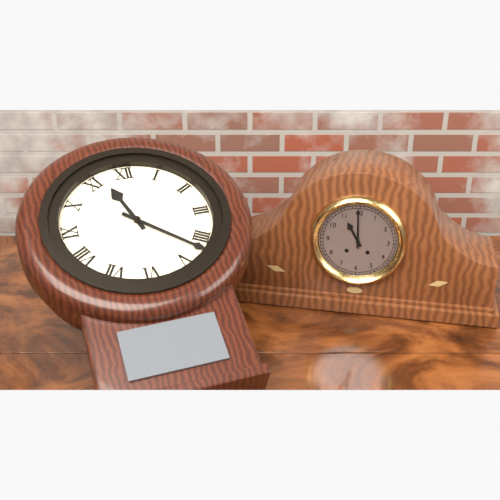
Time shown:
{"hour": 11, "minute": 22}
